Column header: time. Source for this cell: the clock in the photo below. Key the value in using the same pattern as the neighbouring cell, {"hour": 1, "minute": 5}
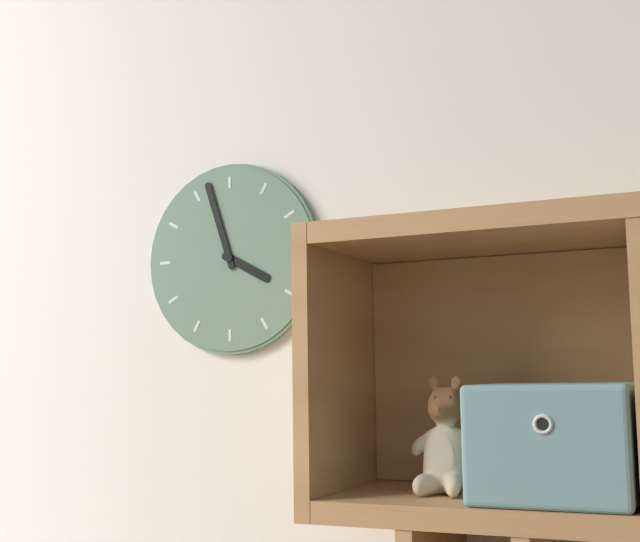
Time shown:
{"hour": 3, "minute": 57}
